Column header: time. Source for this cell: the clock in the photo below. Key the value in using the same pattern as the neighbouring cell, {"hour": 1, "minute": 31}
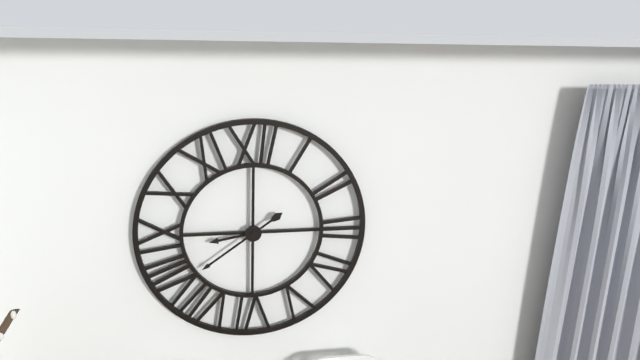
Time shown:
{"hour": 8, "minute": 39}
